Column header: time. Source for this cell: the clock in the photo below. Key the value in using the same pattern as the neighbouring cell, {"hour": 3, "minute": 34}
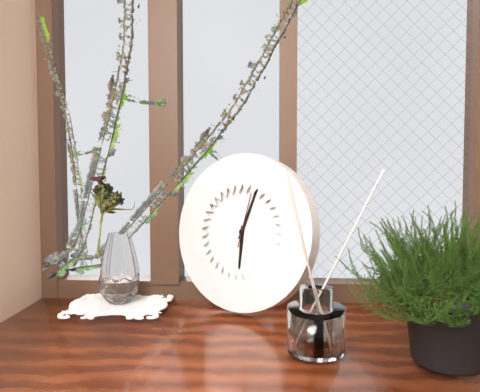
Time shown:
{"hour": 6, "minute": 3}
